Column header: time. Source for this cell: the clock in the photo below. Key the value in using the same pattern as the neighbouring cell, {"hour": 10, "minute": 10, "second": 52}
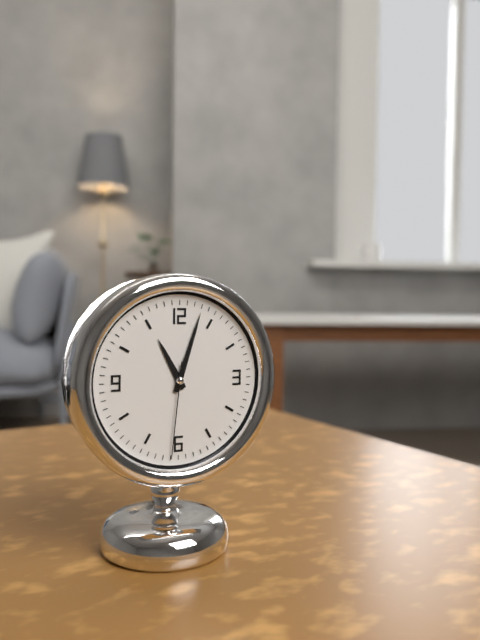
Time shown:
{"hour": 11, "minute": 3, "second": 31}
